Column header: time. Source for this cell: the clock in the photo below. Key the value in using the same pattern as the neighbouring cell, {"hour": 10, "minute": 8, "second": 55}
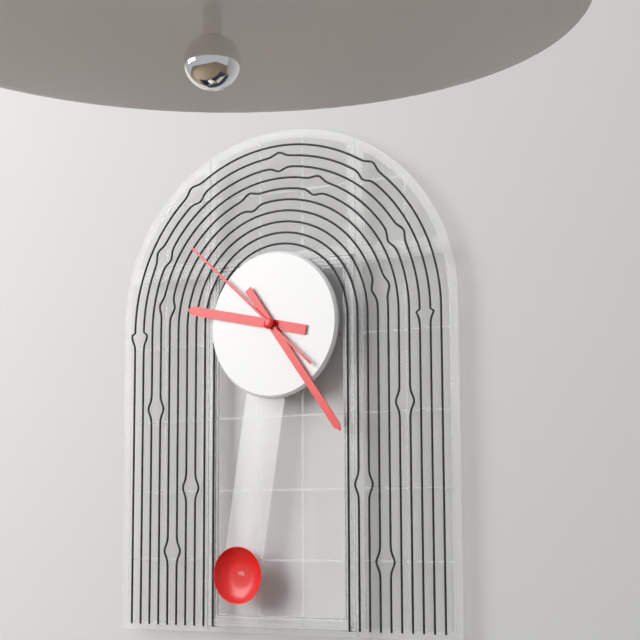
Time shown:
{"hour": 9, "minute": 24, "second": 52}
